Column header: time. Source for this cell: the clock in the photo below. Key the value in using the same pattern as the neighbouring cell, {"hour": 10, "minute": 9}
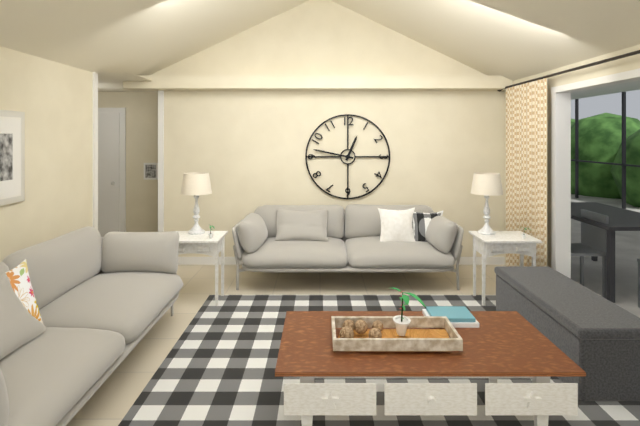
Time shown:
{"hour": 12, "minute": 47}
